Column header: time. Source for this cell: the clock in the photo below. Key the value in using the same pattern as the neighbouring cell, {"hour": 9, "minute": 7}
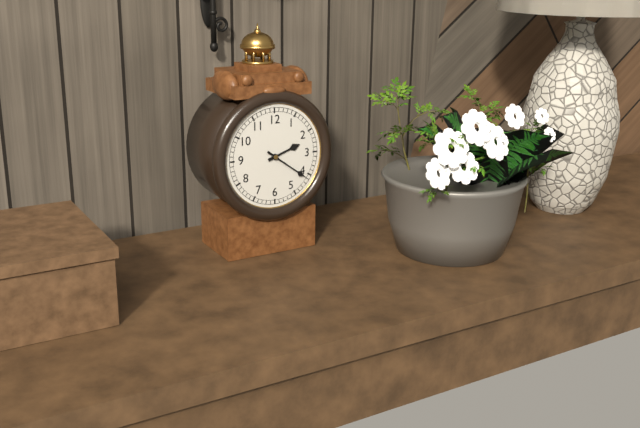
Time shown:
{"hour": 2, "minute": 21}
